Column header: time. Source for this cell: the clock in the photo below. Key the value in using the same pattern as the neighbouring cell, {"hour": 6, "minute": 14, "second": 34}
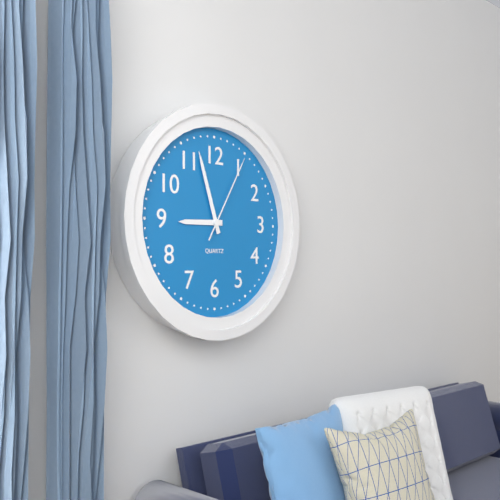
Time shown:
{"hour": 8, "minute": 57, "second": 5}
